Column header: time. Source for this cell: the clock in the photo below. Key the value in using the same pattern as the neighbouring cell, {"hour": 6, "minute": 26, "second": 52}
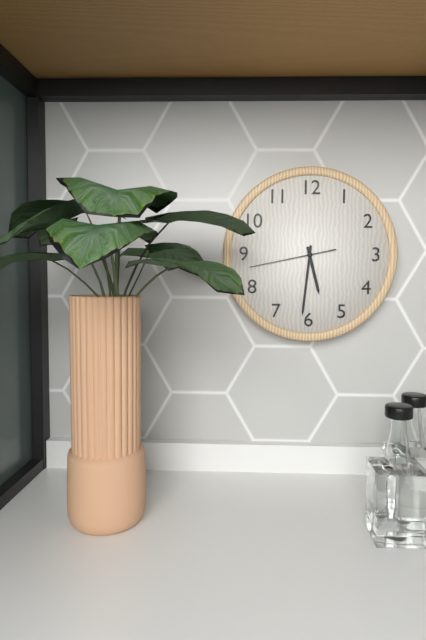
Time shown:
{"hour": 5, "minute": 31, "second": 43}
